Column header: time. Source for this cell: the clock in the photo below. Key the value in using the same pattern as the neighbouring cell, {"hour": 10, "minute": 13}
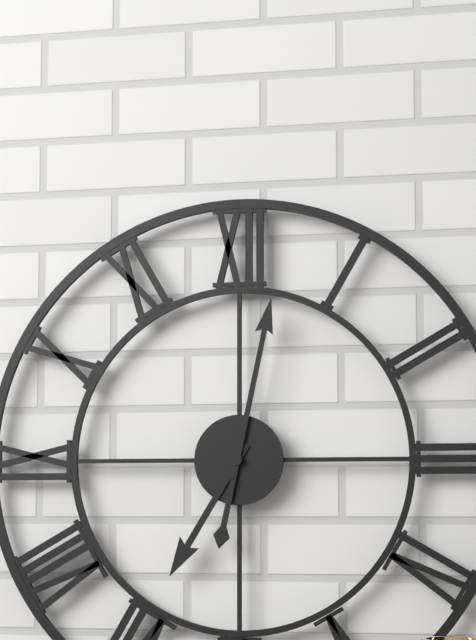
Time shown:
{"hour": 7, "minute": 2}
